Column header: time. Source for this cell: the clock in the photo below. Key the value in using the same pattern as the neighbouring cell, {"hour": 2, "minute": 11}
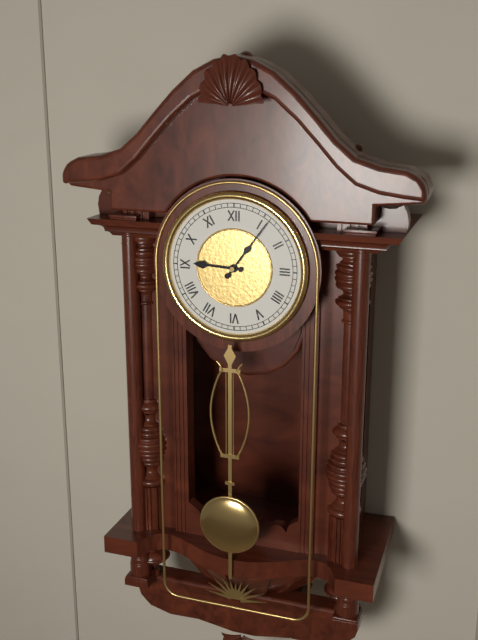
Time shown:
{"hour": 9, "minute": 6}
